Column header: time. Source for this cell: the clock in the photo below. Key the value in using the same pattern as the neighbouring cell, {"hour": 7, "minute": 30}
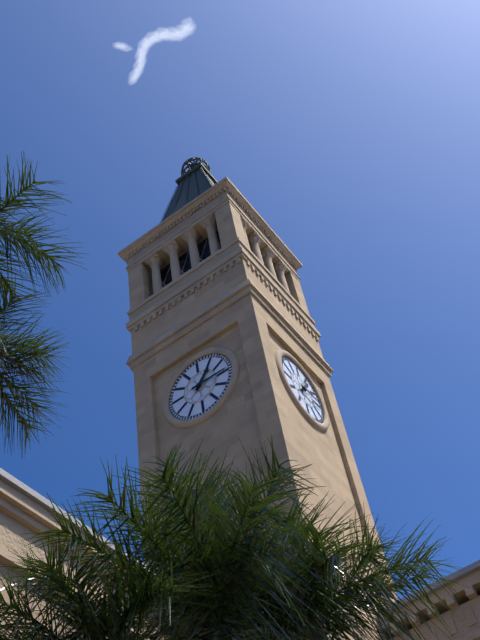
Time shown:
{"hour": 1, "minute": 15}
